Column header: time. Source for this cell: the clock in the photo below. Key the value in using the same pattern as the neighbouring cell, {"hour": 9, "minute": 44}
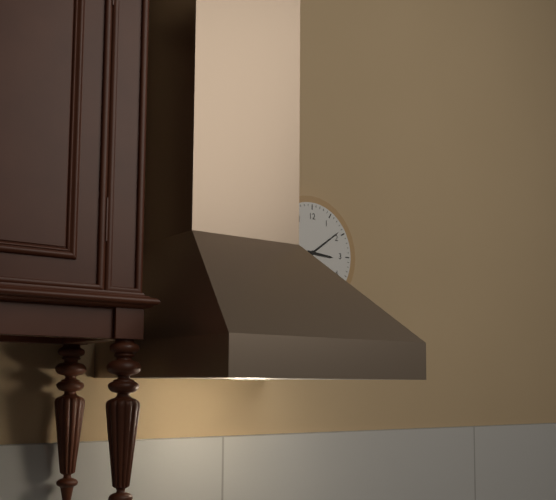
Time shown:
{"hour": 3, "minute": 9}
